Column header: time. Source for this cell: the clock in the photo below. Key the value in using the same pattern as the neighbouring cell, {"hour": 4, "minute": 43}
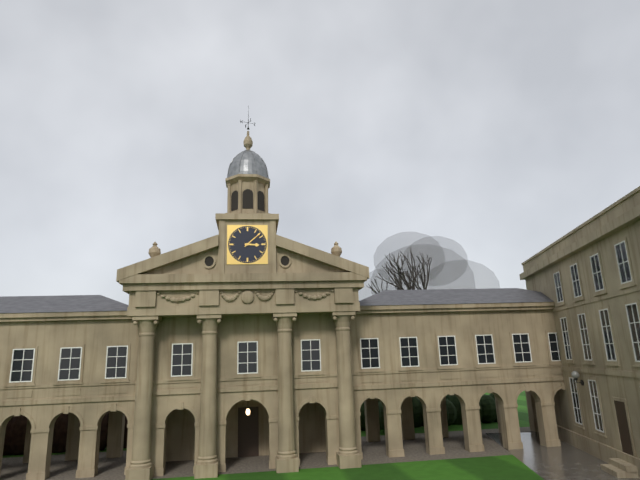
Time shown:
{"hour": 3, "minute": 8}
